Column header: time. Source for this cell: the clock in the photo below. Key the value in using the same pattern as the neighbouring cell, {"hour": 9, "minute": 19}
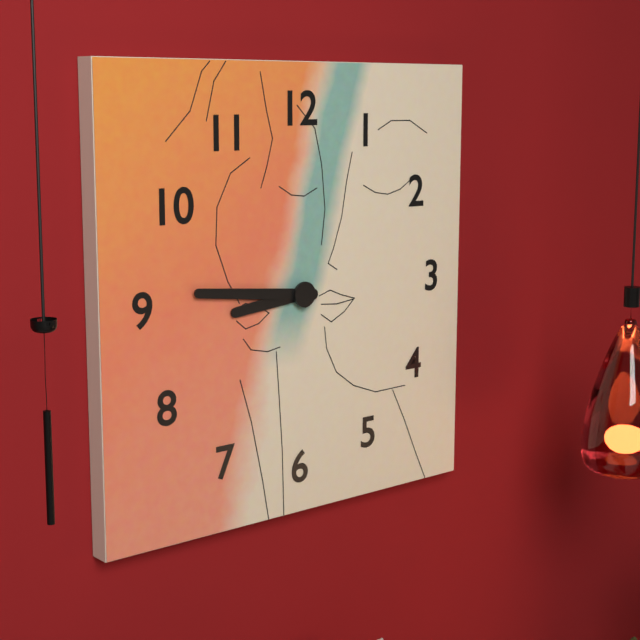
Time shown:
{"hour": 8, "minute": 46}
